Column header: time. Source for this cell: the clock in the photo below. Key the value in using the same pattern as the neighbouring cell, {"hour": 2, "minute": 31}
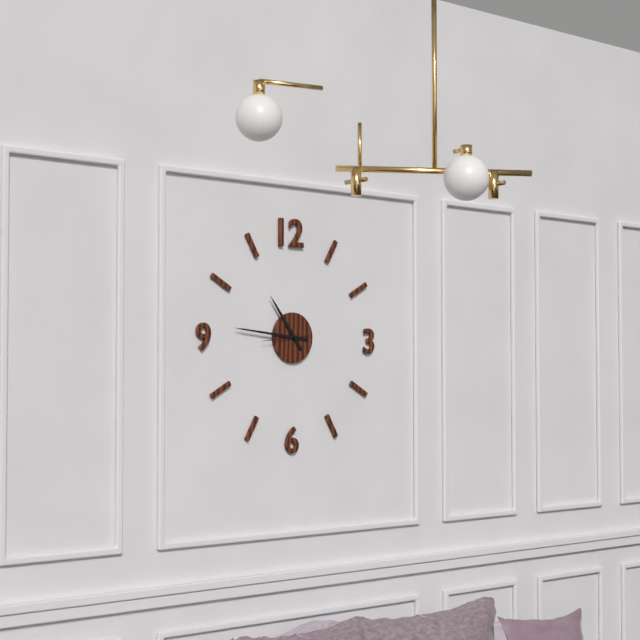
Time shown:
{"hour": 10, "minute": 46}
